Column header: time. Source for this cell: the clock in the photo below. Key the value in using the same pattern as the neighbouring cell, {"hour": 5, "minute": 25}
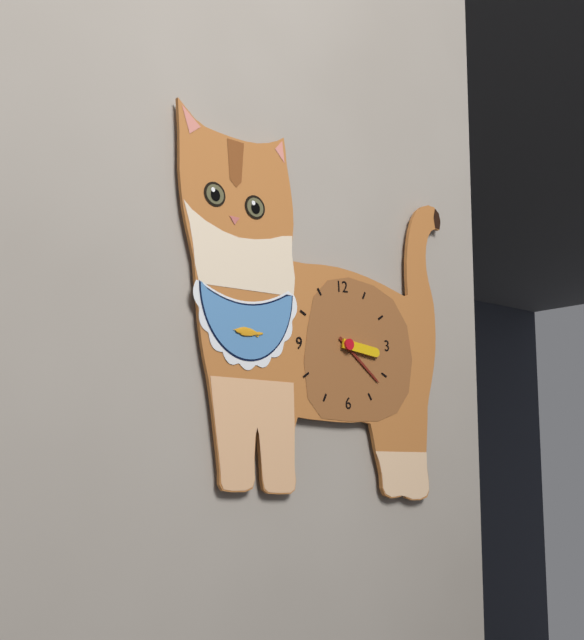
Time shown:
{"hour": 3, "minute": 22}
